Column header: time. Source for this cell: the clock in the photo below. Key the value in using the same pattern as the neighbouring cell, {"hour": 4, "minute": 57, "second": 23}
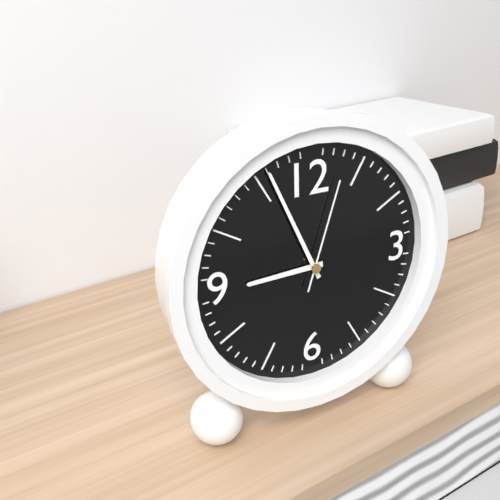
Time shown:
{"hour": 8, "minute": 56, "second": 3}
